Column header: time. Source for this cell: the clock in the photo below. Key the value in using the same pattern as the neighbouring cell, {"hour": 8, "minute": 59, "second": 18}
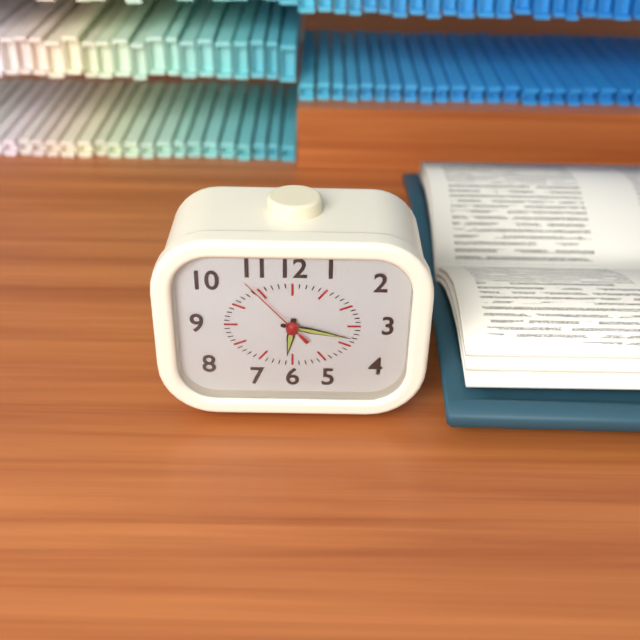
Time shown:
{"hour": 6, "minute": 17, "second": 53}
